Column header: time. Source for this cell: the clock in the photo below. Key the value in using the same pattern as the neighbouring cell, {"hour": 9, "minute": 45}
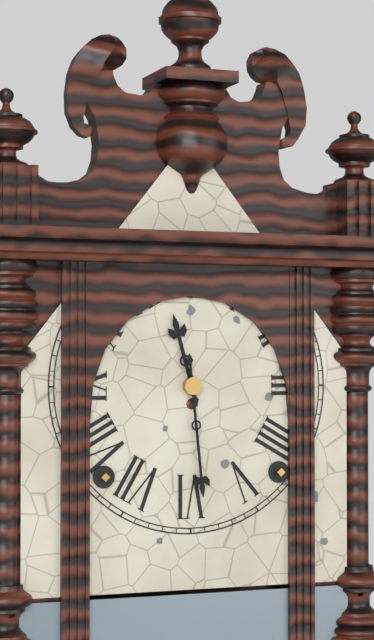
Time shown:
{"hour": 11, "minute": 29}
